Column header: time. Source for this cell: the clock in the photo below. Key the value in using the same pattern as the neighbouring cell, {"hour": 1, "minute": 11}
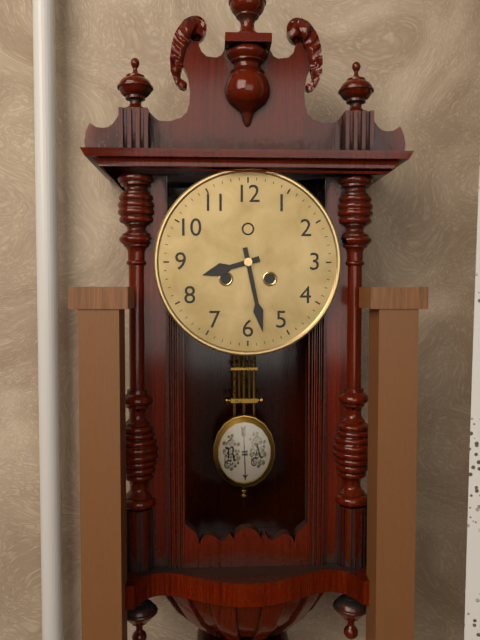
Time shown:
{"hour": 8, "minute": 28}
